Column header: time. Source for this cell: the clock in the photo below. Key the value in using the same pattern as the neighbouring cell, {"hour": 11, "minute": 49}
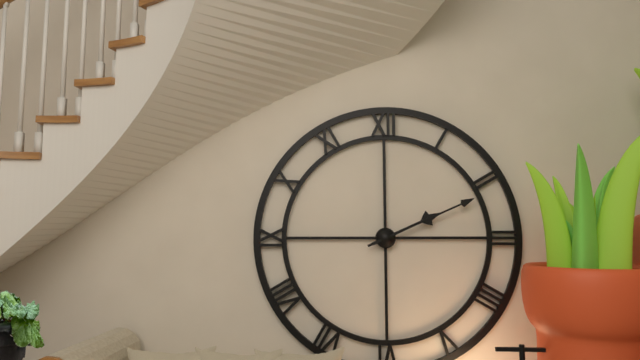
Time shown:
{"hour": 2, "minute": 11}
